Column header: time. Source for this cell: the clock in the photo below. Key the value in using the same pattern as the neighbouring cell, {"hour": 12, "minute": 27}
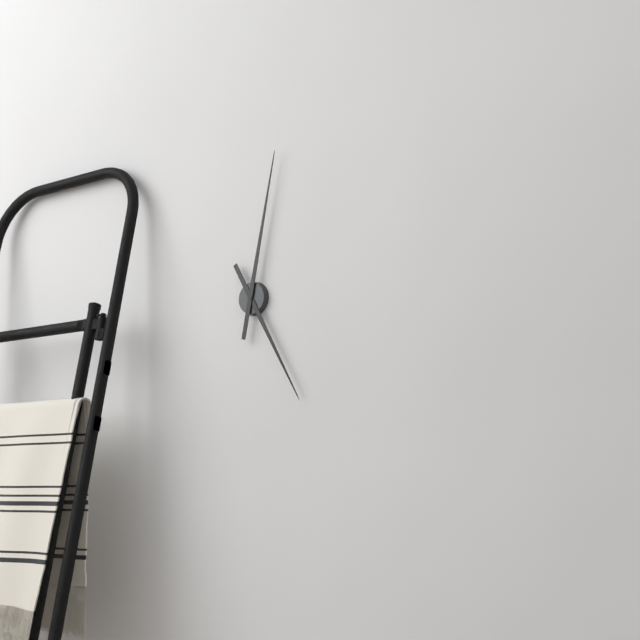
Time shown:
{"hour": 5, "minute": 2}
